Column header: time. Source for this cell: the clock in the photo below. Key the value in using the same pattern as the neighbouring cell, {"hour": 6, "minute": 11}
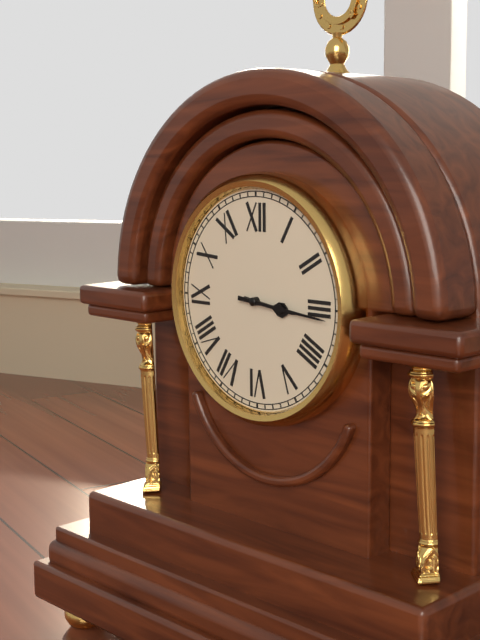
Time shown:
{"hour": 3, "minute": 16}
